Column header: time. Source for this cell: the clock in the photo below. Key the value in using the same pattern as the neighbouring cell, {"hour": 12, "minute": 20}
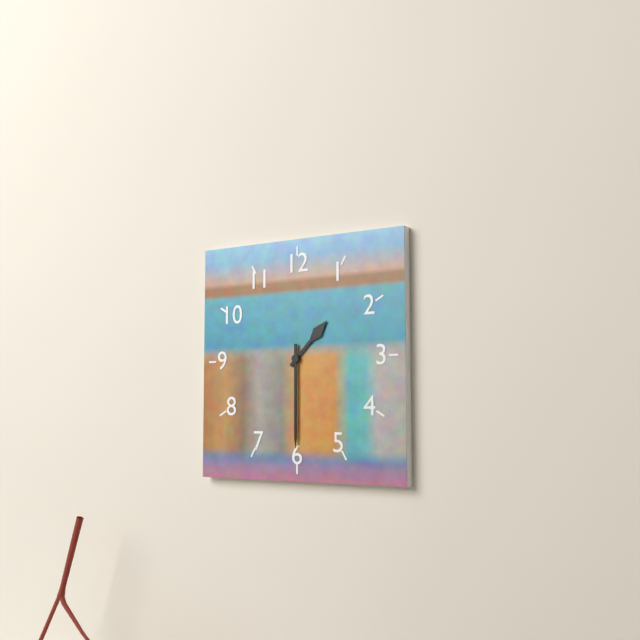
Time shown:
{"hour": 1, "minute": 30}
